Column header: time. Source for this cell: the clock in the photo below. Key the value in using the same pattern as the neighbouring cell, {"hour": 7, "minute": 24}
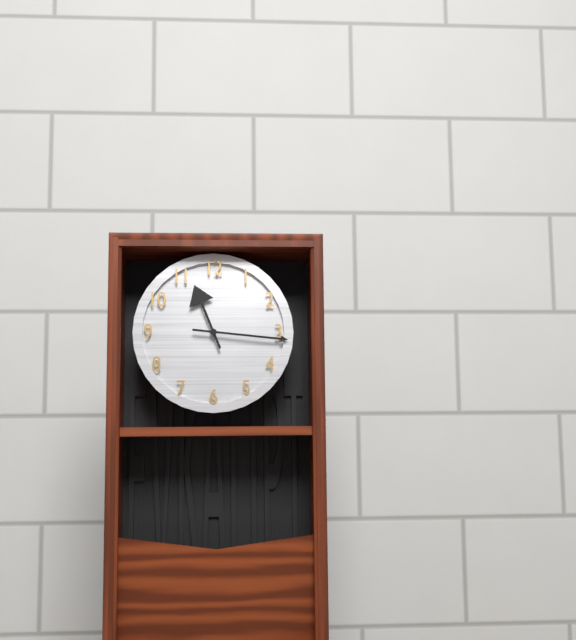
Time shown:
{"hour": 11, "minute": 16}
